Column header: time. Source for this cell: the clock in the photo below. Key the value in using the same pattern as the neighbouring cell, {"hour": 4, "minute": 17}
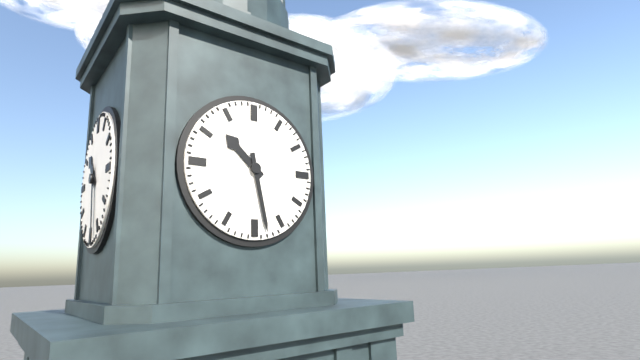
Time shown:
{"hour": 10, "minute": 28}
